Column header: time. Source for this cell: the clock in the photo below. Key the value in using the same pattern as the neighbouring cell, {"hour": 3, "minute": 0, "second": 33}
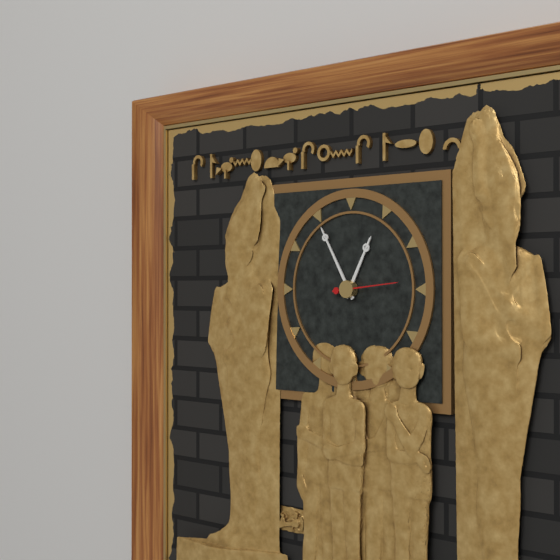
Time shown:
{"hour": 12, "minute": 55, "second": 14}
